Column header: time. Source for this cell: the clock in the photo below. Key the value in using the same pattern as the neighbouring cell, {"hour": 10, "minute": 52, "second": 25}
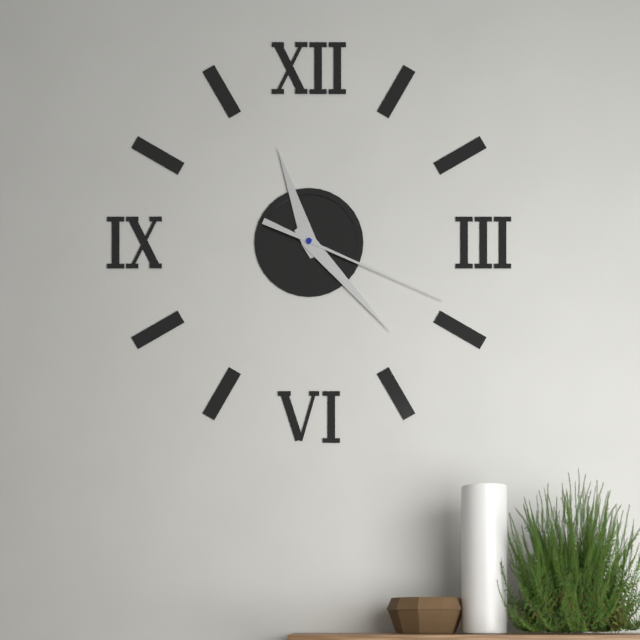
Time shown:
{"hour": 11, "minute": 23, "second": 19}
